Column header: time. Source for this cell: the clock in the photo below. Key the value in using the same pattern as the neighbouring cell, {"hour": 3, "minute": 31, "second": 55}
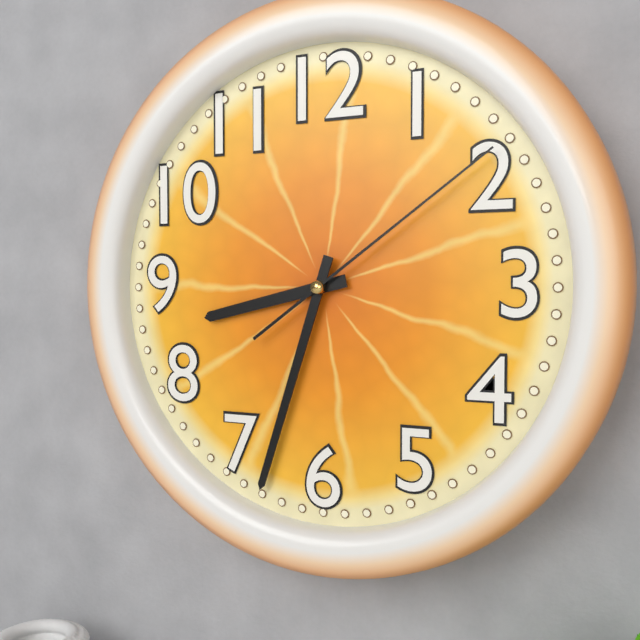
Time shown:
{"hour": 8, "minute": 33, "second": 9}
